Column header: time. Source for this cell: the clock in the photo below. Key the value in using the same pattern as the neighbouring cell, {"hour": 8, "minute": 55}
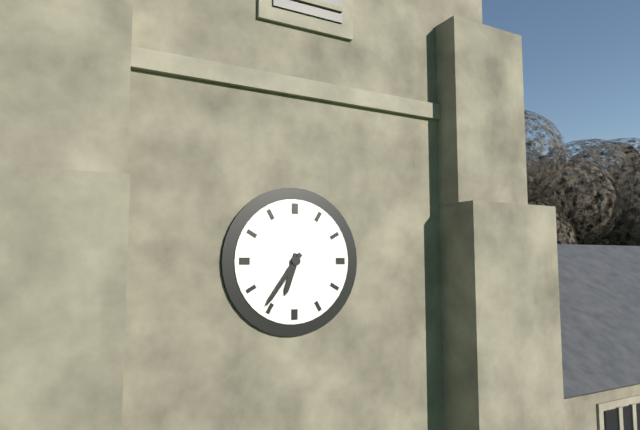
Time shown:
{"hour": 6, "minute": 36}
